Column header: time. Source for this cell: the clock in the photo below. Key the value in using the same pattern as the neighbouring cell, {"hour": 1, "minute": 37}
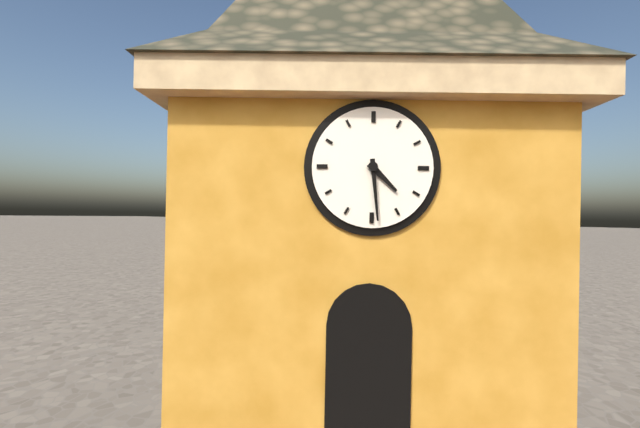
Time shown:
{"hour": 4, "minute": 29}
